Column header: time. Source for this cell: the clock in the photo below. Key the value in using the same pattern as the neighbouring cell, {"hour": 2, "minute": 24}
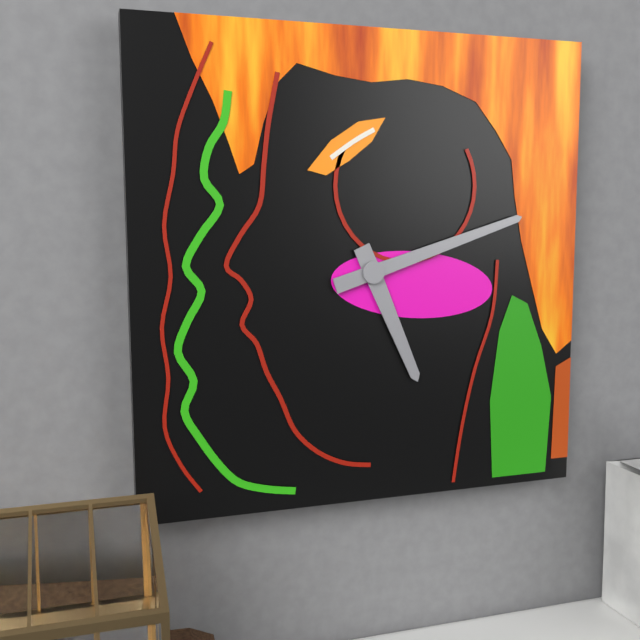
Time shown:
{"hour": 5, "minute": 12}
